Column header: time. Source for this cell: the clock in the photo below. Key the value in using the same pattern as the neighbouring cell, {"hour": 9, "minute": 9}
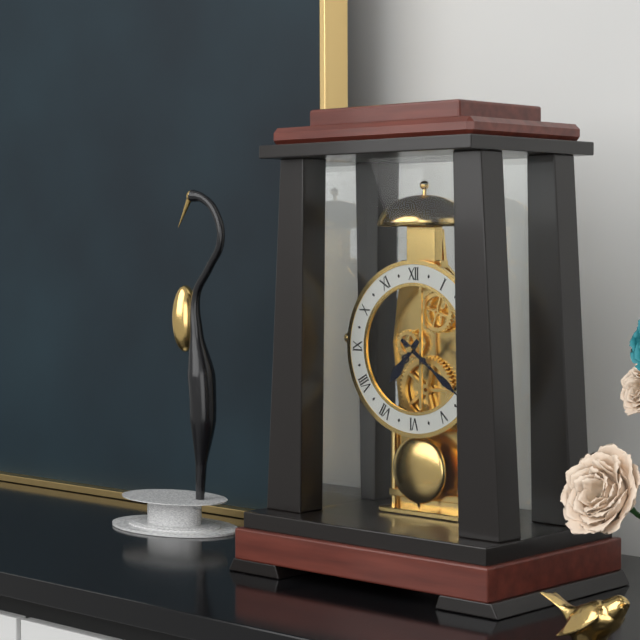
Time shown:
{"hour": 7, "minute": 21}
